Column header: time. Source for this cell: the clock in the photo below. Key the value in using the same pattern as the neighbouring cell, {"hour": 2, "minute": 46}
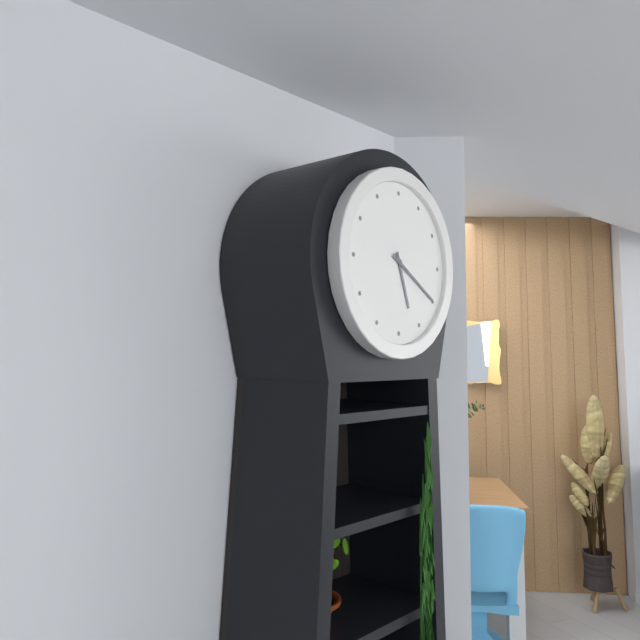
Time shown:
{"hour": 5, "minute": 20}
